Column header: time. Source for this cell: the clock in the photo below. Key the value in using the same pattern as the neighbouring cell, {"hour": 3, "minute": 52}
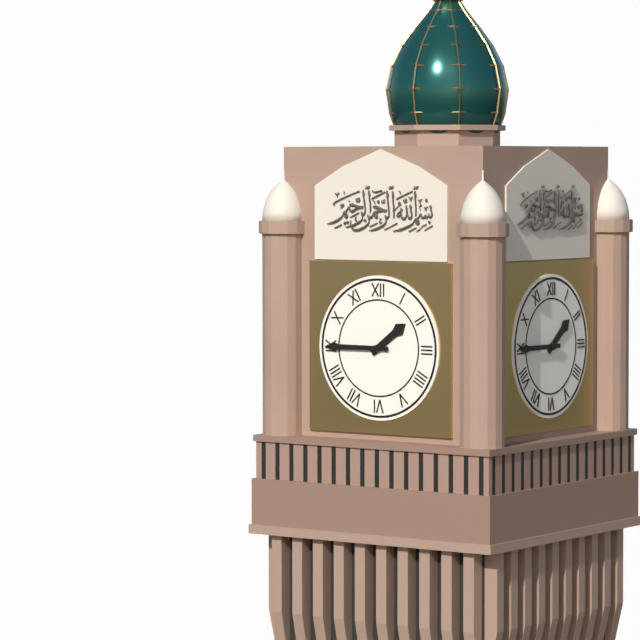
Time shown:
{"hour": 1, "minute": 45}
